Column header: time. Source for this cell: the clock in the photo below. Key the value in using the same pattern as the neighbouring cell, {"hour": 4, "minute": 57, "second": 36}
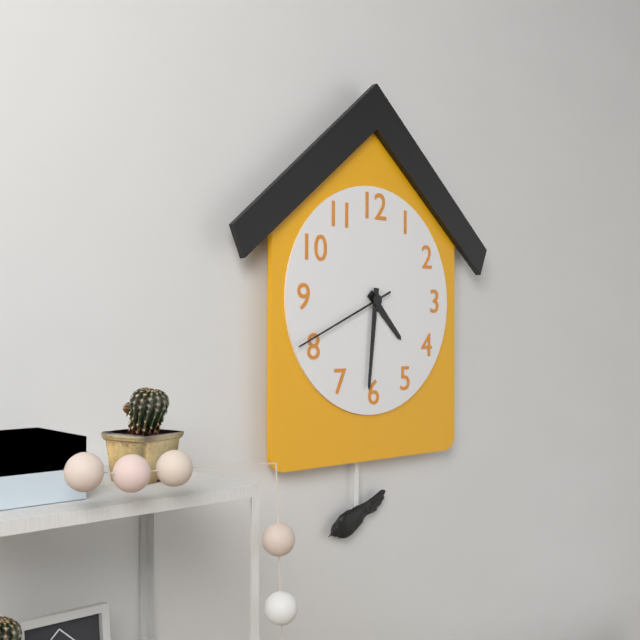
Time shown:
{"hour": 4, "minute": 31, "second": 41}
